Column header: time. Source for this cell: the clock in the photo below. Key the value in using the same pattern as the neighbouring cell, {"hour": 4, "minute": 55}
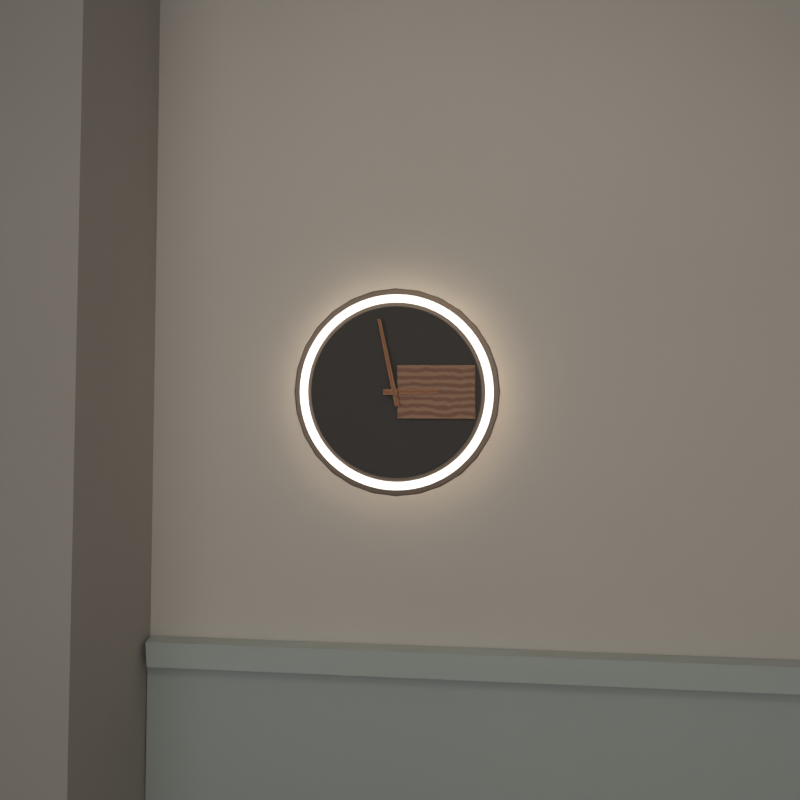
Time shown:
{"hour": 2, "minute": 58}
